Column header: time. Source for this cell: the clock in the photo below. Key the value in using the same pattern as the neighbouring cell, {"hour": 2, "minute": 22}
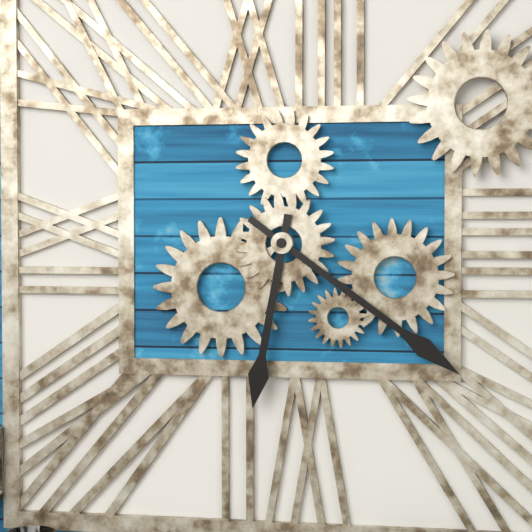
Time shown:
{"hour": 6, "minute": 21}
